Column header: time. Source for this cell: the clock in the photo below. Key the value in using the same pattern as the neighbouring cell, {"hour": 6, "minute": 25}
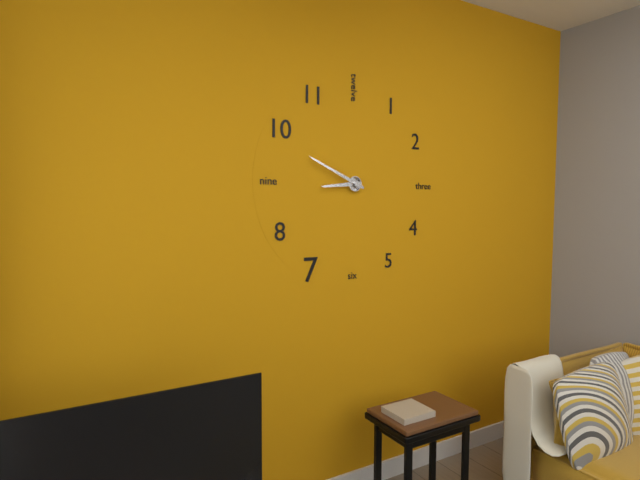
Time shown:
{"hour": 8, "minute": 49}
